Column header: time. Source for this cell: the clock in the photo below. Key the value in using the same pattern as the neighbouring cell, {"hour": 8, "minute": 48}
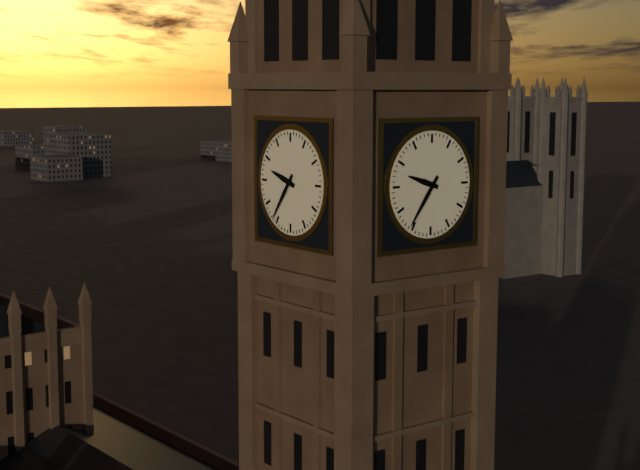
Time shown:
{"hour": 9, "minute": 36}
